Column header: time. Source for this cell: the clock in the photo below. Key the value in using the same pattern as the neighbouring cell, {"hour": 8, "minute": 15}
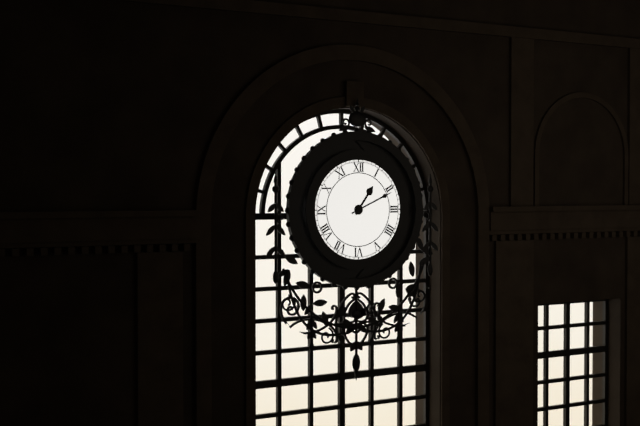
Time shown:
{"hour": 1, "minute": 11}
